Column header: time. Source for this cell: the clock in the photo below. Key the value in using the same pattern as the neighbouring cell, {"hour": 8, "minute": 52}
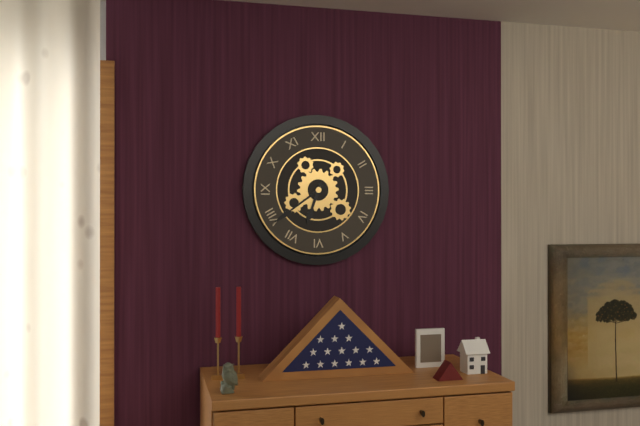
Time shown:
{"hour": 6, "minute": 39}
